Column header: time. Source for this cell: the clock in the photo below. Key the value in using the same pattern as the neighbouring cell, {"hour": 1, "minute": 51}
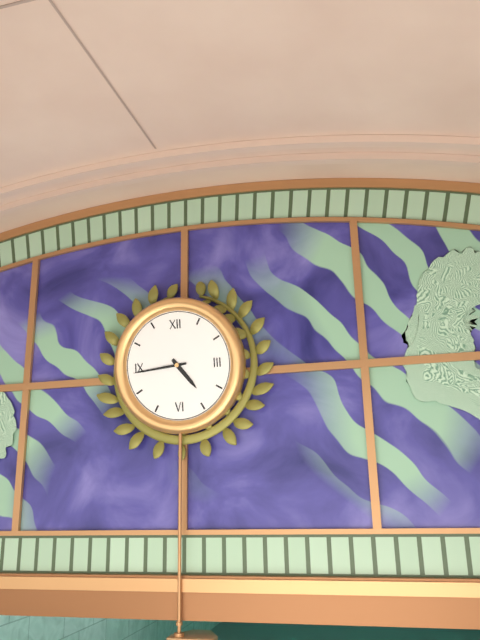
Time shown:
{"hour": 4, "minute": 44}
